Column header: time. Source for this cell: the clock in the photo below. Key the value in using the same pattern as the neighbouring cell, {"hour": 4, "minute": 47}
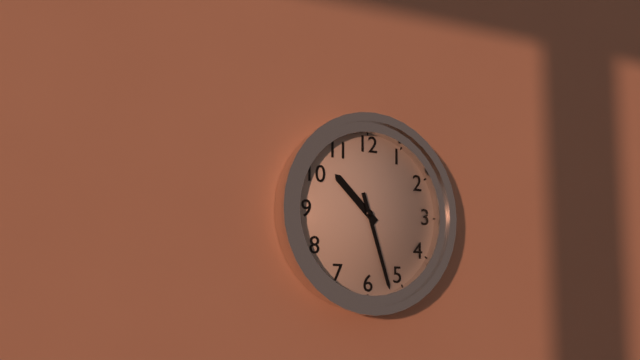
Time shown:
{"hour": 10, "minute": 27}
